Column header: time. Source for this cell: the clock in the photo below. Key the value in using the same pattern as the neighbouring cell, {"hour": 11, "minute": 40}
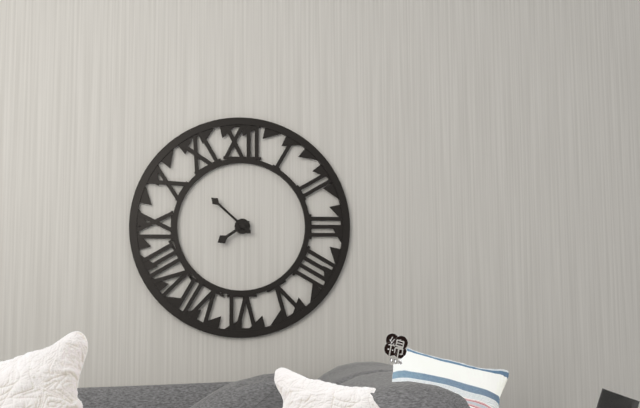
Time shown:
{"hour": 7, "minute": 52}
